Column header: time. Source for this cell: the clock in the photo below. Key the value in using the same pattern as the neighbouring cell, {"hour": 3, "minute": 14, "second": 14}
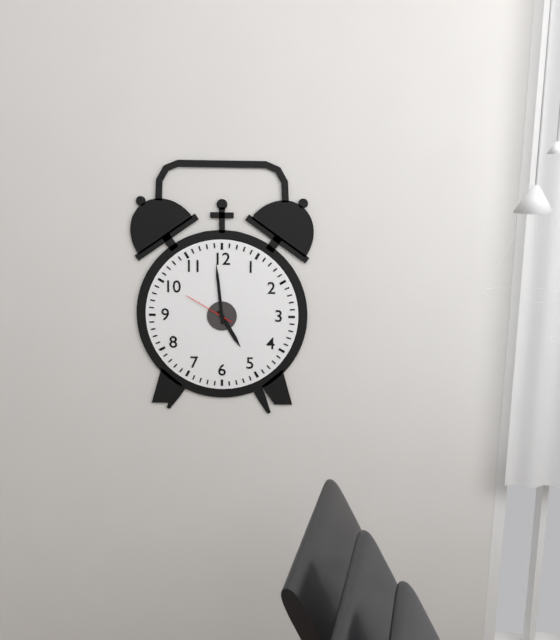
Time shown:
{"hour": 4, "minute": 59, "second": 50}
